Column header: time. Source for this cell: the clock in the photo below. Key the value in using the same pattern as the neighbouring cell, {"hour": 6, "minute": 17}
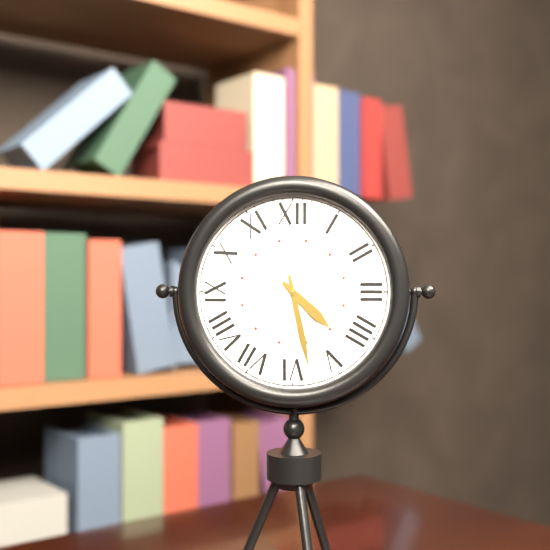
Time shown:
{"hour": 4, "minute": 28}
